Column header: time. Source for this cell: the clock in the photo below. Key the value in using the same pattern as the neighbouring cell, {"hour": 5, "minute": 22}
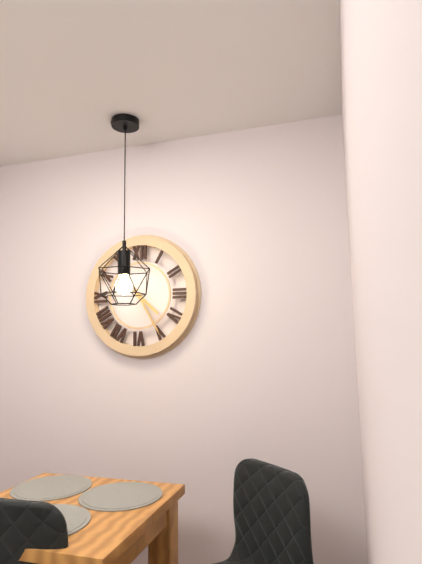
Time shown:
{"hour": 4, "minute": 25}
